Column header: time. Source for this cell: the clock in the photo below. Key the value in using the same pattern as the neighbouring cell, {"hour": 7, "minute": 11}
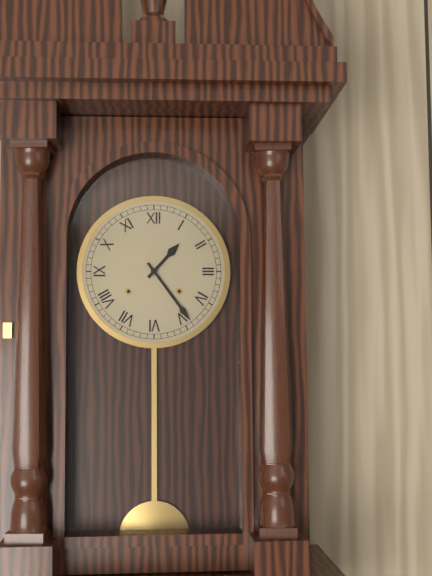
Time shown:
{"hour": 1, "minute": 24}
